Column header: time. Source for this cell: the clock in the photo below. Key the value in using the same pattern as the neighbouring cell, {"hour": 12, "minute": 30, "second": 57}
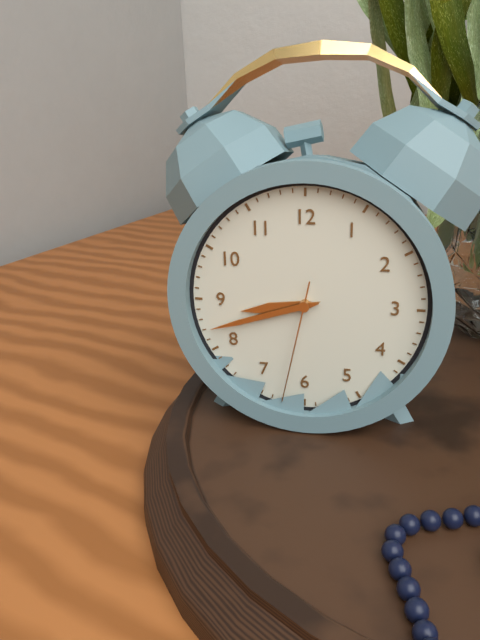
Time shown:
{"hour": 8, "minute": 42, "second": 32}
